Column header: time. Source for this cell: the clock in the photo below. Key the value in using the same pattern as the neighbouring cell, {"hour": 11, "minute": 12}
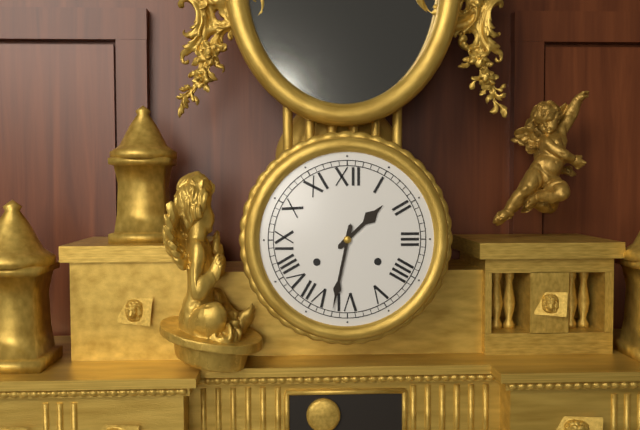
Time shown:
{"hour": 1, "minute": 32}
